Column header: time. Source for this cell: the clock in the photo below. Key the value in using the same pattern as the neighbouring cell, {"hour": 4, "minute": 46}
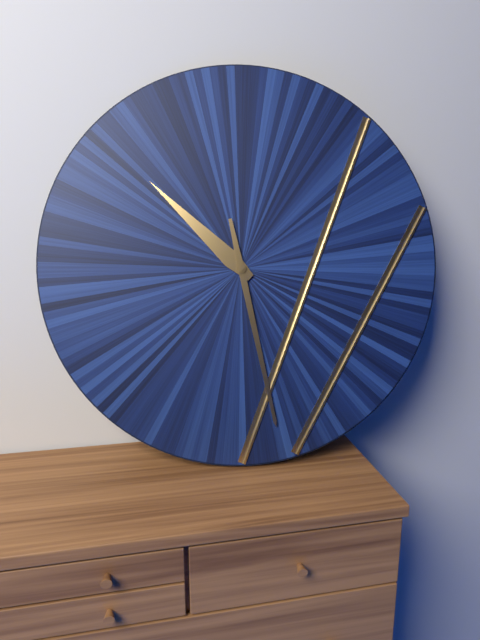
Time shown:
{"hour": 10, "minute": 28}
